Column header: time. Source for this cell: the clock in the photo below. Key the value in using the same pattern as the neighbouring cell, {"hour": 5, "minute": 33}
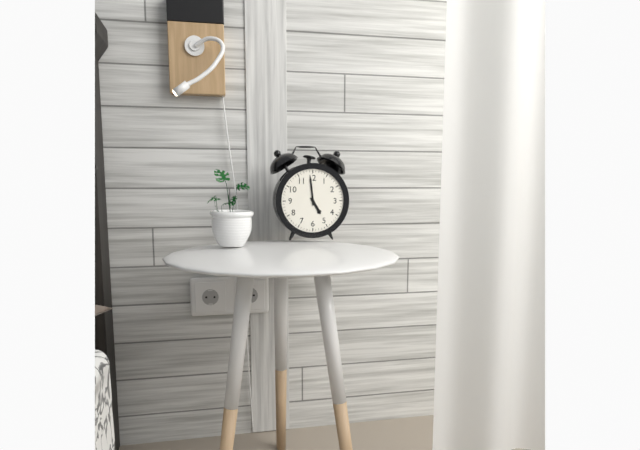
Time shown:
{"hour": 4, "minute": 59}
